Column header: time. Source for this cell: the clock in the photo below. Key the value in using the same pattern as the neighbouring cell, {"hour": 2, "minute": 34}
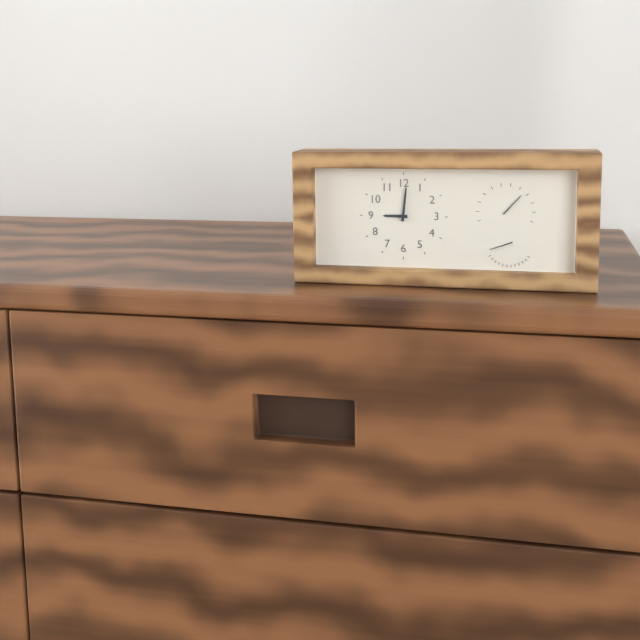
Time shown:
{"hour": 9, "minute": 1}
